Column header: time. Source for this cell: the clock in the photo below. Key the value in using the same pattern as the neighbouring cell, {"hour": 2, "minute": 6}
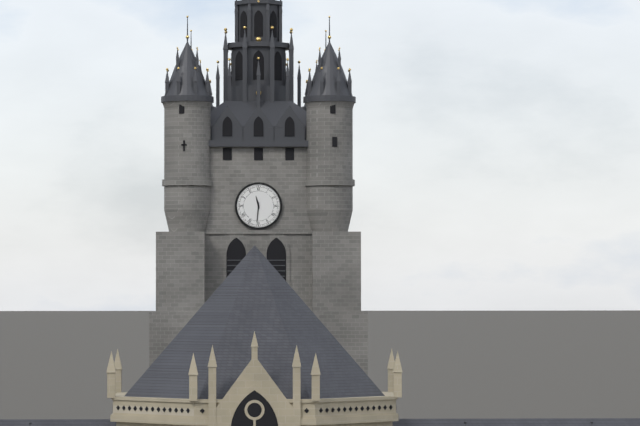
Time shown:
{"hour": 11, "minute": 31}
